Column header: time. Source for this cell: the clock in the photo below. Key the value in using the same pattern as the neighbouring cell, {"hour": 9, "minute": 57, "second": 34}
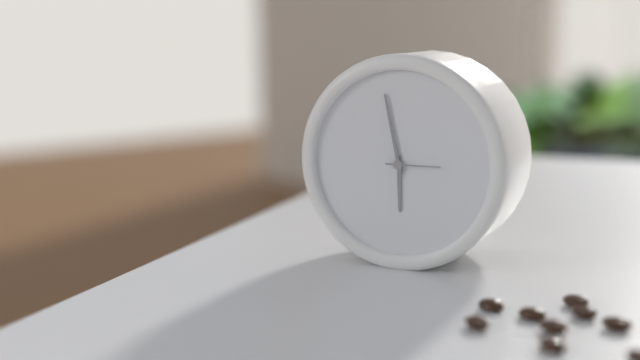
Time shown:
{"hour": 5, "minute": 58, "second": 15}
